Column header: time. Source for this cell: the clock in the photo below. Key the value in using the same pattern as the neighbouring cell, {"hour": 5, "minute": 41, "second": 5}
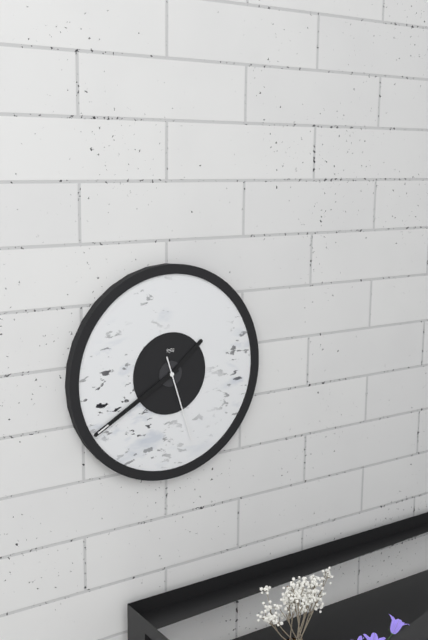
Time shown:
{"hour": 1, "minute": 40, "second": 27}
